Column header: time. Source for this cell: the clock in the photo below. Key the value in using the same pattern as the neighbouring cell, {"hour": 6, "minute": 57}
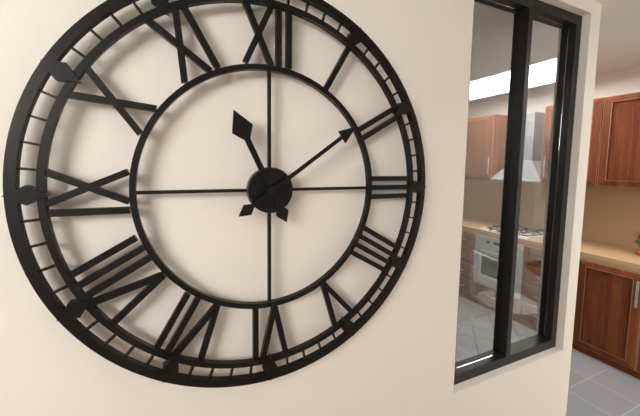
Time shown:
{"hour": 11, "minute": 9}
